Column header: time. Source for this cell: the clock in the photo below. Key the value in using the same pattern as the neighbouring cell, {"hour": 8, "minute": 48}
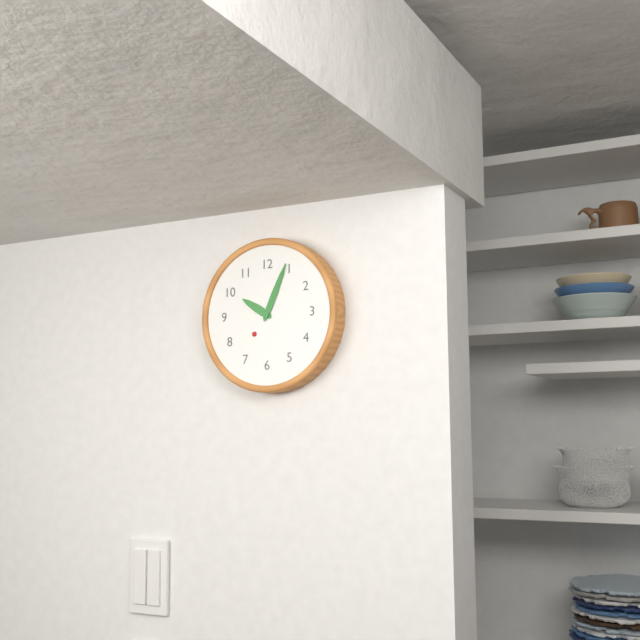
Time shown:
{"hour": 10, "minute": 4}
